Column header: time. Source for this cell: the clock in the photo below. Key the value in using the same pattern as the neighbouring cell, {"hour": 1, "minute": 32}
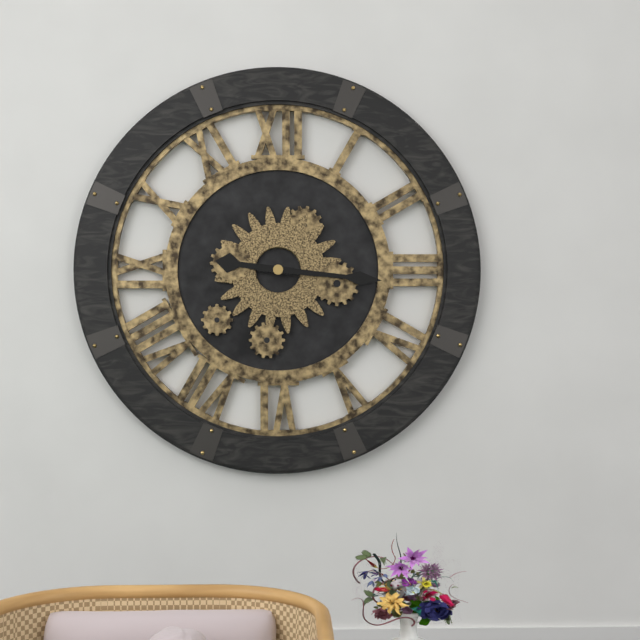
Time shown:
{"hour": 9, "minute": 16}
